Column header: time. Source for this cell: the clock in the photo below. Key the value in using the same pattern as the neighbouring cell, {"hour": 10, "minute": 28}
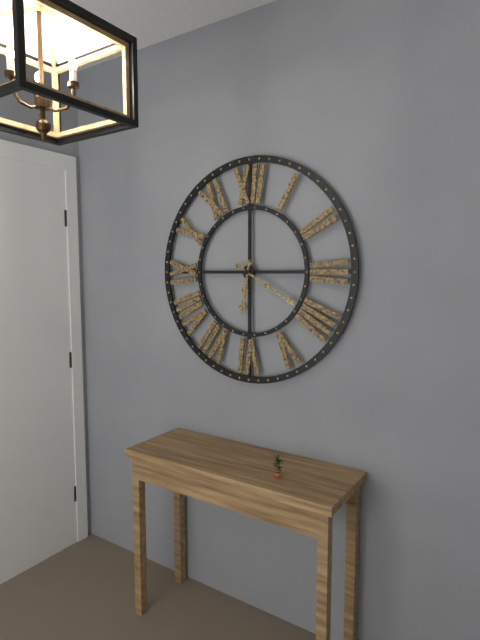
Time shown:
{"hour": 6, "minute": 20}
